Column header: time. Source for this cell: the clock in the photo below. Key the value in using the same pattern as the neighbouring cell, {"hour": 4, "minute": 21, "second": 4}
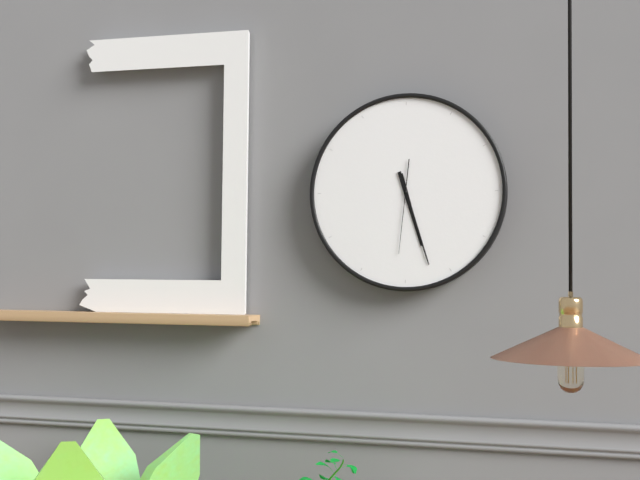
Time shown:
{"hour": 5, "minute": 27, "second": 31}
